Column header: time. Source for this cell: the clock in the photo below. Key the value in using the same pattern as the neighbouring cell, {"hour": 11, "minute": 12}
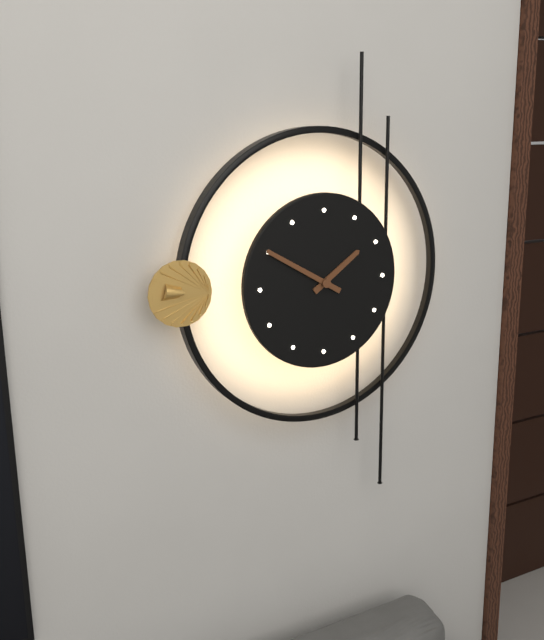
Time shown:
{"hour": 1, "minute": 50}
